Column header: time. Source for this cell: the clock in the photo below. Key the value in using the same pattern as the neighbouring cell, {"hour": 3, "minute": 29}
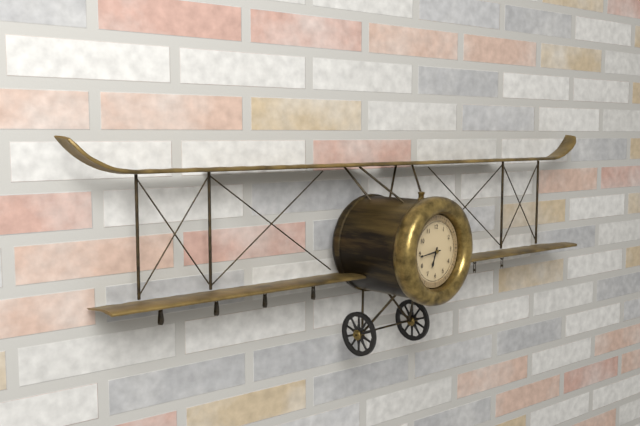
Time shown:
{"hour": 6, "minute": 44}
